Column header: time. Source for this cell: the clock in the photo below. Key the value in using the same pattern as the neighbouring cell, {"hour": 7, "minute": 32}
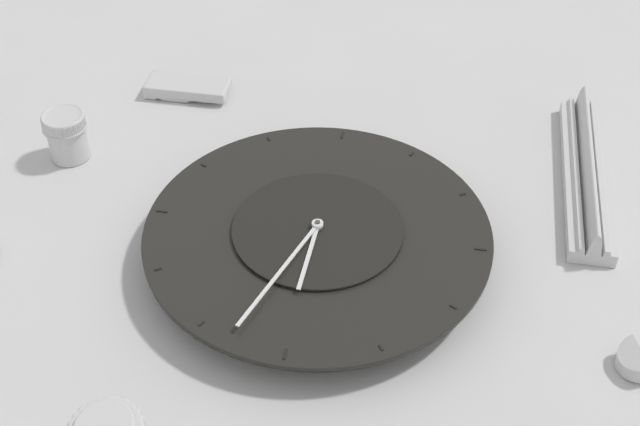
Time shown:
{"hour": 12, "minute": 3}
